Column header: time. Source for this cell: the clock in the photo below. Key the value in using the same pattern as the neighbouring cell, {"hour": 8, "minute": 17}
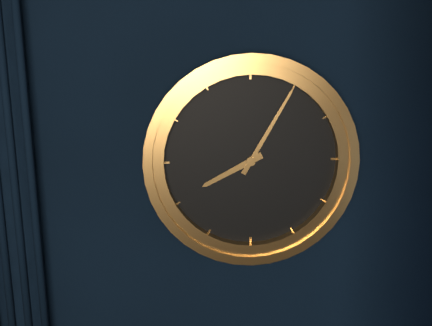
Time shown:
{"hour": 8, "minute": 5}
